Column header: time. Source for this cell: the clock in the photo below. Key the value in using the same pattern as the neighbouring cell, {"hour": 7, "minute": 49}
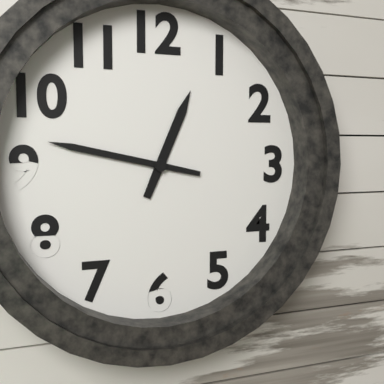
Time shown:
{"hour": 12, "minute": 47}
